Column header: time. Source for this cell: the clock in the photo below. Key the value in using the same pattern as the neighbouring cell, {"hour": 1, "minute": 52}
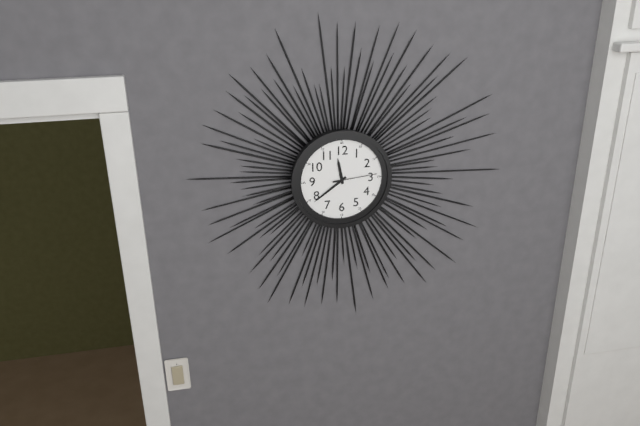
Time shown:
{"hour": 11, "minute": 39}
